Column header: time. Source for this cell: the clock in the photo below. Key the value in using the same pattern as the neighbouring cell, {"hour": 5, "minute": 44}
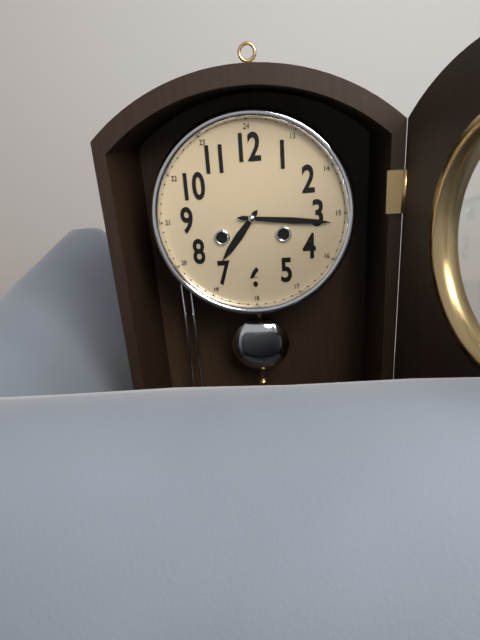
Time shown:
{"hour": 7, "minute": 16}
